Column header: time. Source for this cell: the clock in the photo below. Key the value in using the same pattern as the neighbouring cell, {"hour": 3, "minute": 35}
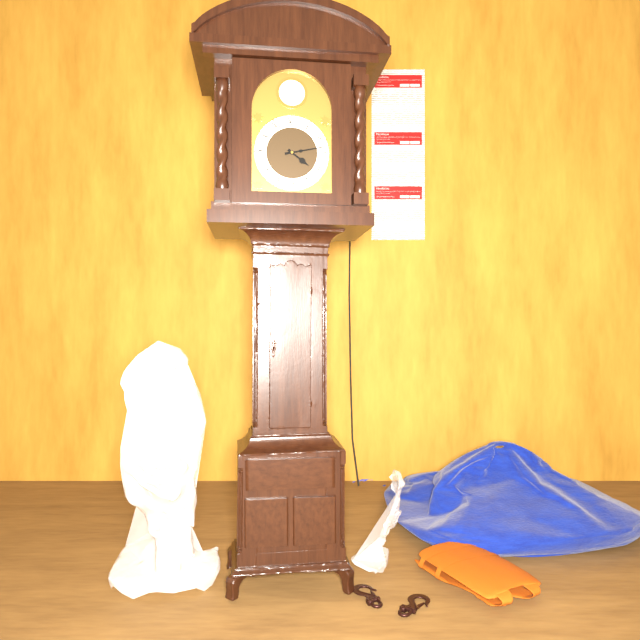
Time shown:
{"hour": 4, "minute": 13}
